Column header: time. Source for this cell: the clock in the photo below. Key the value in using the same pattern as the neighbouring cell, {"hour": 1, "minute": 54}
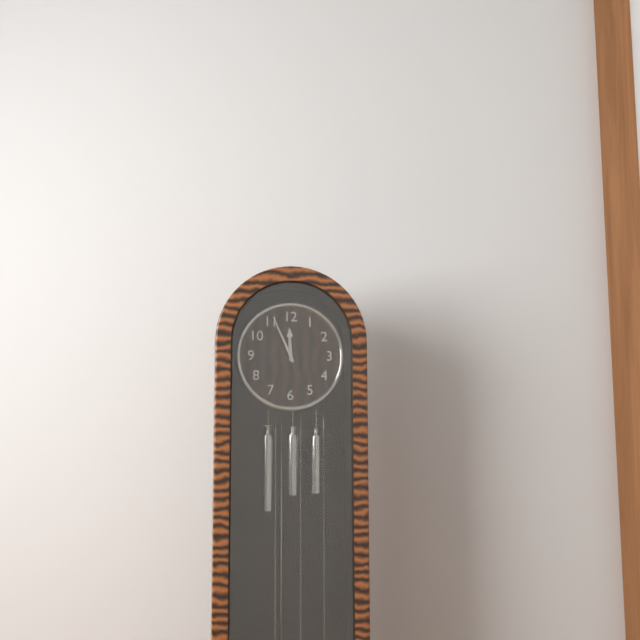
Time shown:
{"hour": 11, "minute": 56}
